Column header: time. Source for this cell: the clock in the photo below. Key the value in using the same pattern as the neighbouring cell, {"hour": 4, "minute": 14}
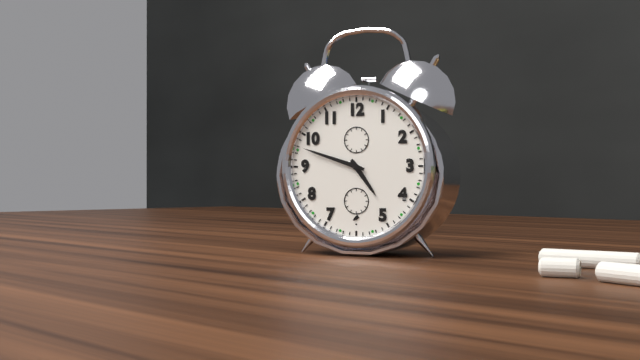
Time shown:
{"hour": 4, "minute": 48}
